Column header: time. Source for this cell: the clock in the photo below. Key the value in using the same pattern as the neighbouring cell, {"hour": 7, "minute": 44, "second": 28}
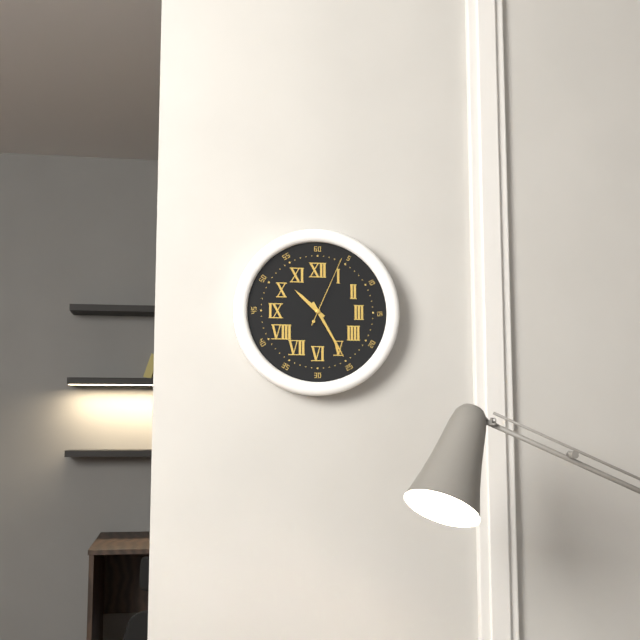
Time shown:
{"hour": 10, "minute": 25, "second": 4}
